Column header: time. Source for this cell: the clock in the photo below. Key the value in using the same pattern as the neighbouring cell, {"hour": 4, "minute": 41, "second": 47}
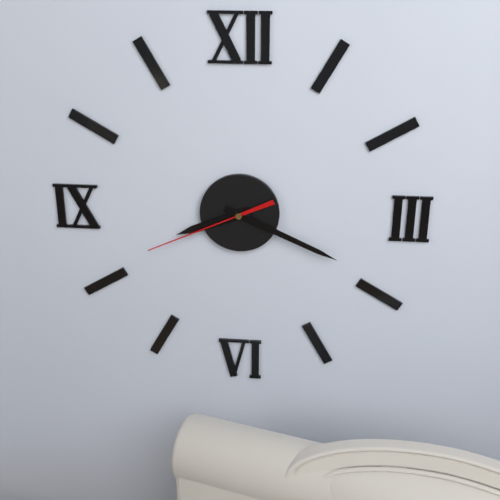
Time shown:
{"hour": 8, "minute": 19, "second": 41}
